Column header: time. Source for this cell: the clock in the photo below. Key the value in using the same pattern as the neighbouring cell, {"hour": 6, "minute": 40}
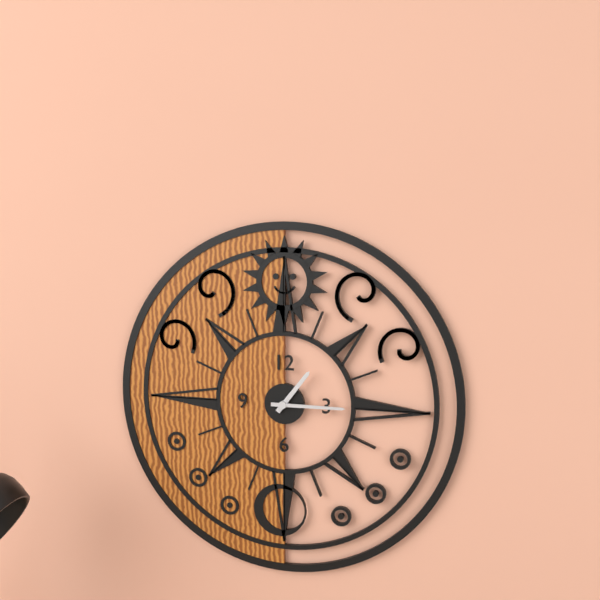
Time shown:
{"hour": 1, "minute": 15}
